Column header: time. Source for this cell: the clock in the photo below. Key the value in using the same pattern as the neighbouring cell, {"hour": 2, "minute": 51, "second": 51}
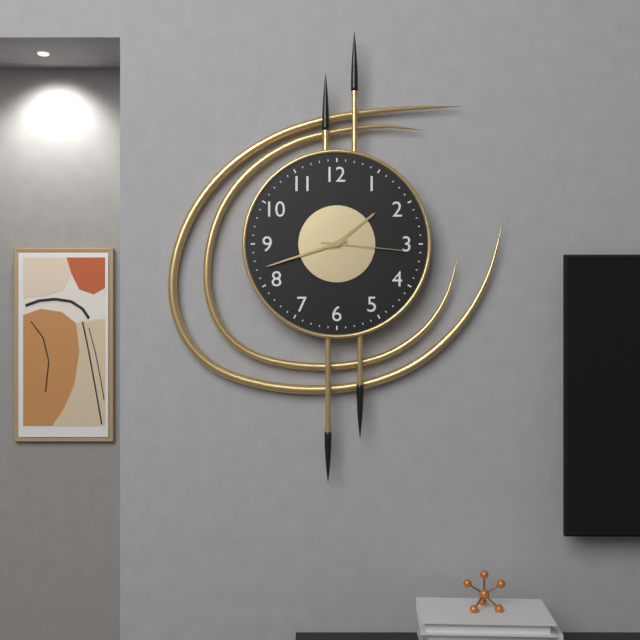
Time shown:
{"hour": 1, "minute": 42, "second": 16}
